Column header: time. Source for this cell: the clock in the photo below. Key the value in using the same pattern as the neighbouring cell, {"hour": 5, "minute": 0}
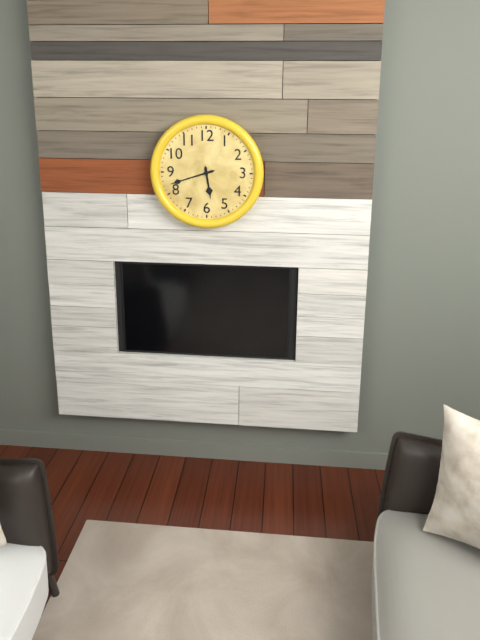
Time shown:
{"hour": 5, "minute": 42}
